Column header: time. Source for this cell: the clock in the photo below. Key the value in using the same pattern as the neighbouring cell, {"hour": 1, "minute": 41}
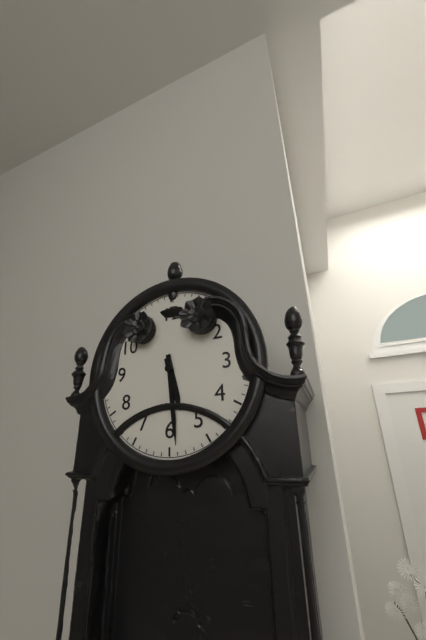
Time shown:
{"hour": 5, "minute": 29}
